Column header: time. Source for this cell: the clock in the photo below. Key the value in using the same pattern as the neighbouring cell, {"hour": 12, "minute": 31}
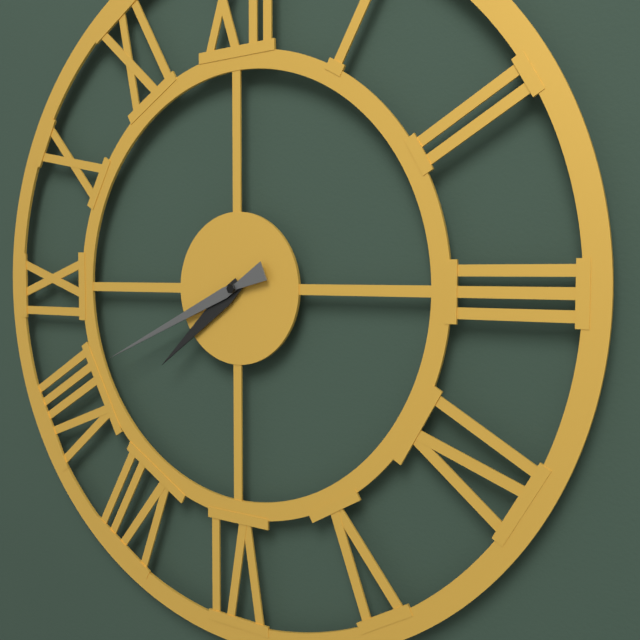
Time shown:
{"hour": 7, "minute": 41}
